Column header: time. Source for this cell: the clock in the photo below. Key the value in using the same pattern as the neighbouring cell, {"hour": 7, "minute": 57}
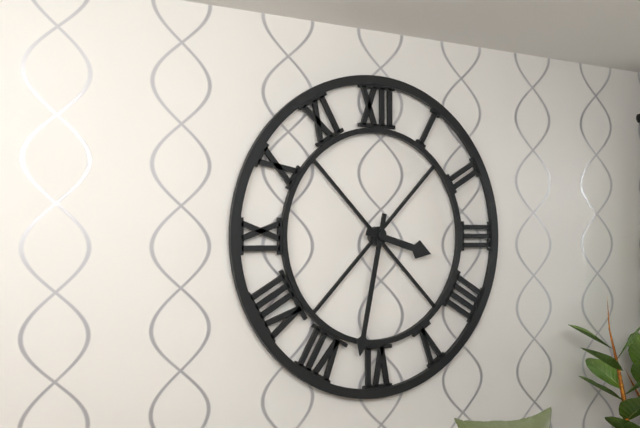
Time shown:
{"hour": 3, "minute": 32}
